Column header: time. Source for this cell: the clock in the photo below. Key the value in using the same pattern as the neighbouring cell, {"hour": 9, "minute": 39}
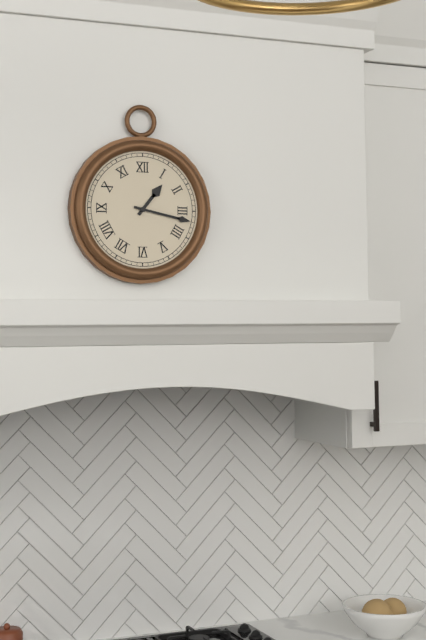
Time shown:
{"hour": 1, "minute": 17}
